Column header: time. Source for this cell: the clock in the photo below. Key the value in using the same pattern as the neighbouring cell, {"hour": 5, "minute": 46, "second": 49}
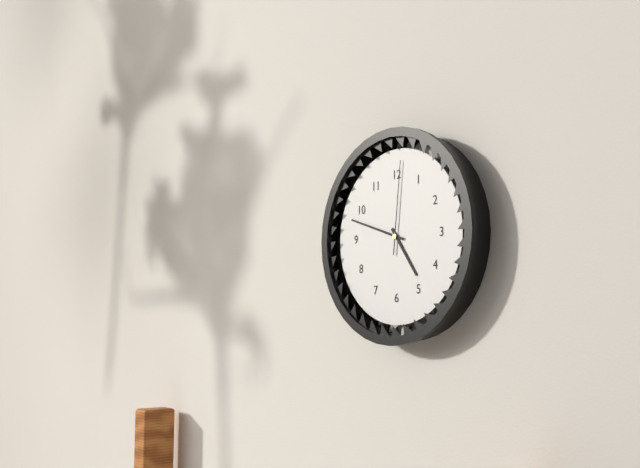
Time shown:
{"hour": 4, "minute": 48, "second": 1}
